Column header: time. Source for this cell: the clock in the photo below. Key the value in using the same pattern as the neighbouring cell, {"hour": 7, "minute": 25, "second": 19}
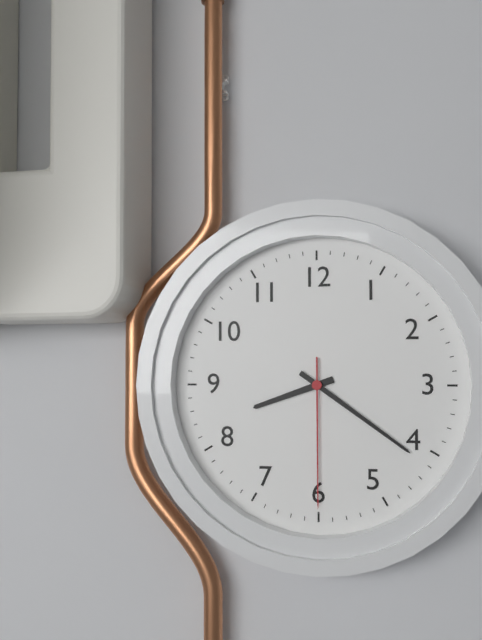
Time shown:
{"hour": 8, "minute": 21, "second": 30}
